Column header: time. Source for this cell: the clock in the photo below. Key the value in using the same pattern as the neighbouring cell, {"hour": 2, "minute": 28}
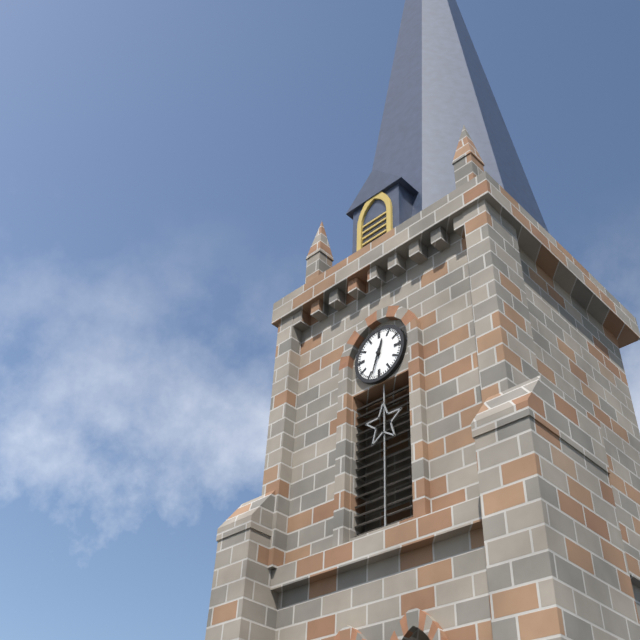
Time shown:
{"hour": 12, "minute": 33}
